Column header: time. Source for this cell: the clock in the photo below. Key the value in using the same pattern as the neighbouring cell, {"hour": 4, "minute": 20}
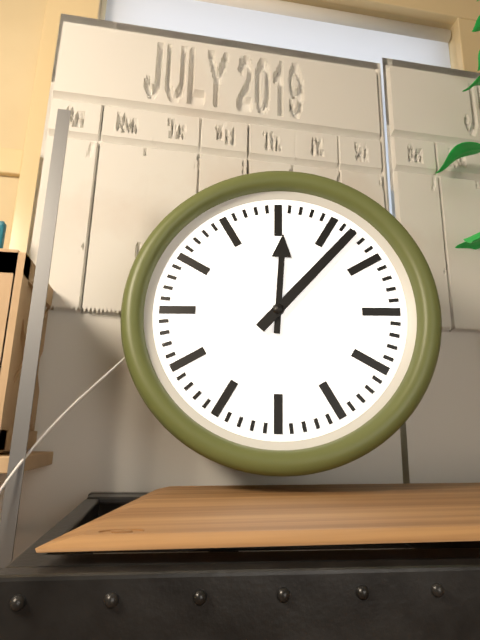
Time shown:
{"hour": 12, "minute": 7}
